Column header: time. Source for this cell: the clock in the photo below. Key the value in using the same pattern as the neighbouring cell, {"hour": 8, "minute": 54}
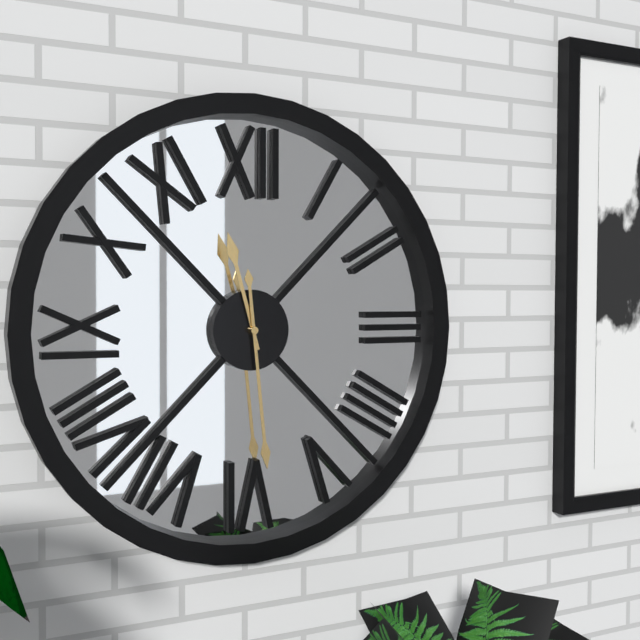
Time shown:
{"hour": 11, "minute": 29}
